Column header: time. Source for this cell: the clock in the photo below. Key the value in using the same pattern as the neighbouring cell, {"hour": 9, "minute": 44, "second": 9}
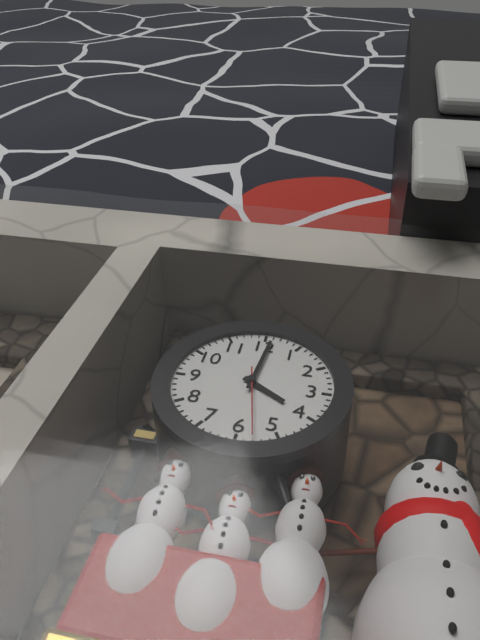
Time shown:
{"hour": 4, "minute": 1, "second": 28}
